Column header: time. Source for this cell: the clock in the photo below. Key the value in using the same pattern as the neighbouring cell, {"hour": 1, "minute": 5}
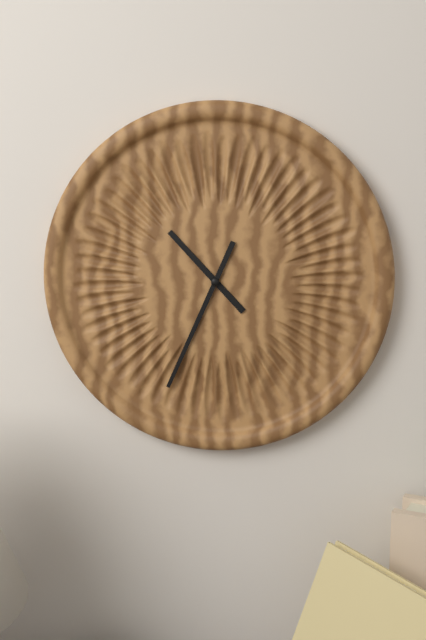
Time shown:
{"hour": 10, "minute": 34}
